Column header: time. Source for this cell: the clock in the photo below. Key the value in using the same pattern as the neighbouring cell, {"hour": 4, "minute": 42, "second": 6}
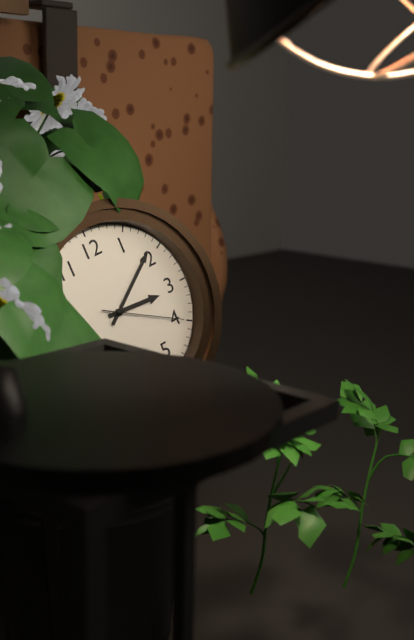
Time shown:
{"hour": 3, "minute": 9, "second": 20}
